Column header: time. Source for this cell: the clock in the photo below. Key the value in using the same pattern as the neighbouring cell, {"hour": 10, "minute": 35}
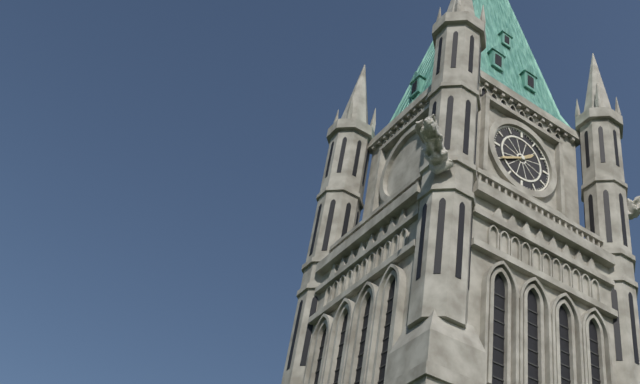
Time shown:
{"hour": 1, "minute": 40}
